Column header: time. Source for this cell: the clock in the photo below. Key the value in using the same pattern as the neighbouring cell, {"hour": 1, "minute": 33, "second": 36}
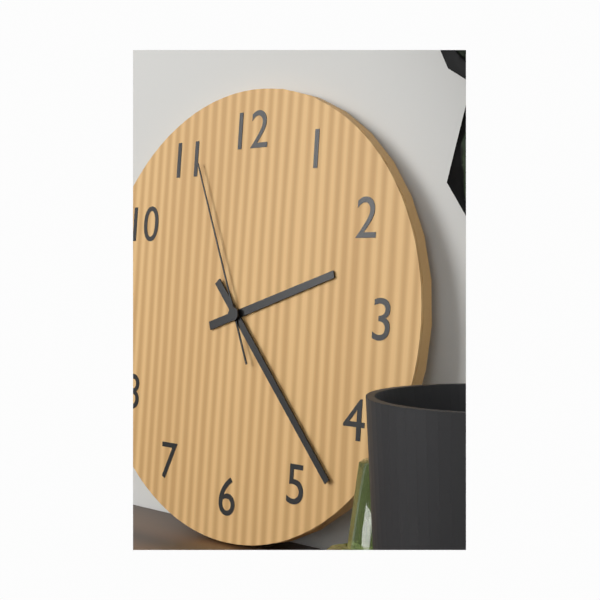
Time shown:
{"hour": 2, "minute": 23, "second": 56}
